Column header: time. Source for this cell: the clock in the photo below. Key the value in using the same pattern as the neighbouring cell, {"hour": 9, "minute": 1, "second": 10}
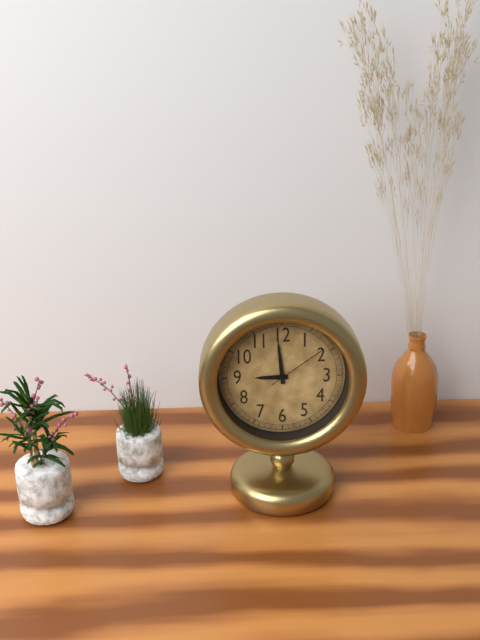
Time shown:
{"hour": 8, "minute": 59, "second": 9}
